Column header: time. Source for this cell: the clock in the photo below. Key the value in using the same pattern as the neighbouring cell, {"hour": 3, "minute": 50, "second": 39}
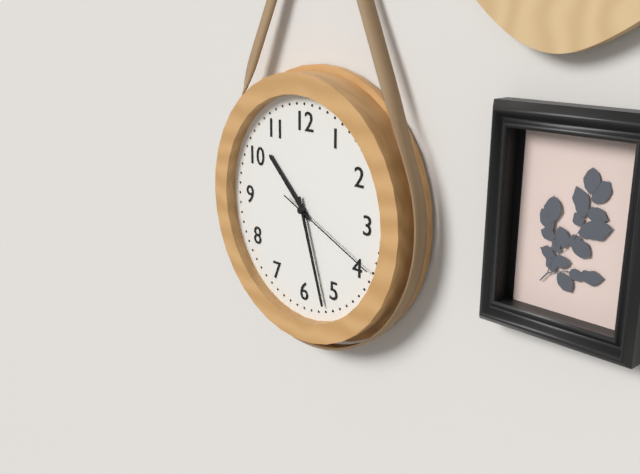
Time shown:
{"hour": 10, "minute": 27, "second": 19}
